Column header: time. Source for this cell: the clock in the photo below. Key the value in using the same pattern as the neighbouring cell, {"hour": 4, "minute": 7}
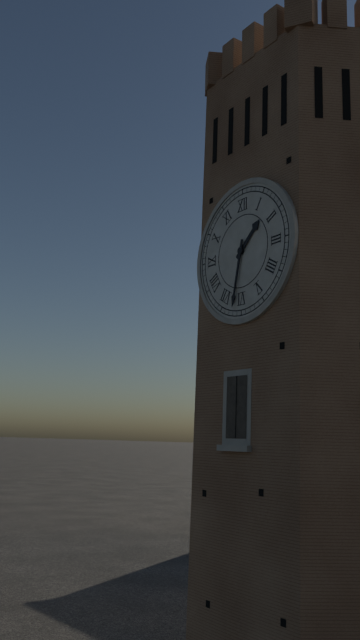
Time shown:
{"hour": 1, "minute": 32}
